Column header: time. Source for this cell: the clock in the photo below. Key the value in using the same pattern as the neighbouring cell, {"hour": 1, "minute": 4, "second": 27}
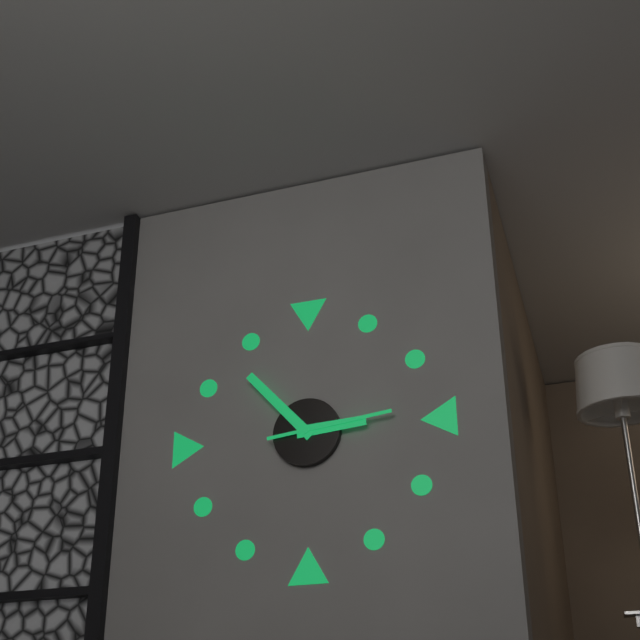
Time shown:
{"hour": 2, "minute": 53, "second": 14}
